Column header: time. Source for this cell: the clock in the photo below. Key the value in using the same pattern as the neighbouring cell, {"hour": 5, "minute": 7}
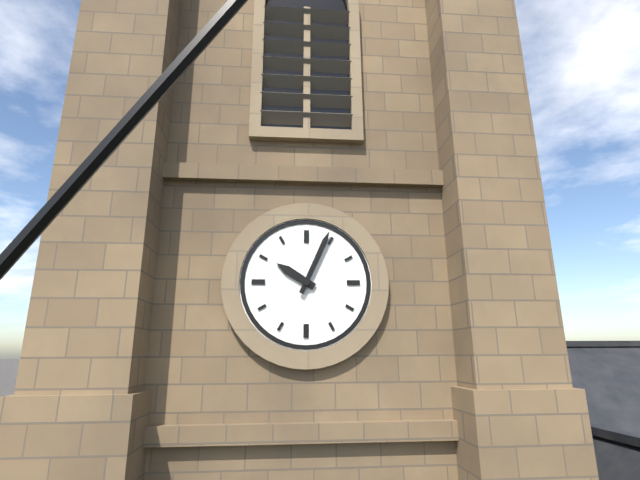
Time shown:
{"hour": 10, "minute": 4}
